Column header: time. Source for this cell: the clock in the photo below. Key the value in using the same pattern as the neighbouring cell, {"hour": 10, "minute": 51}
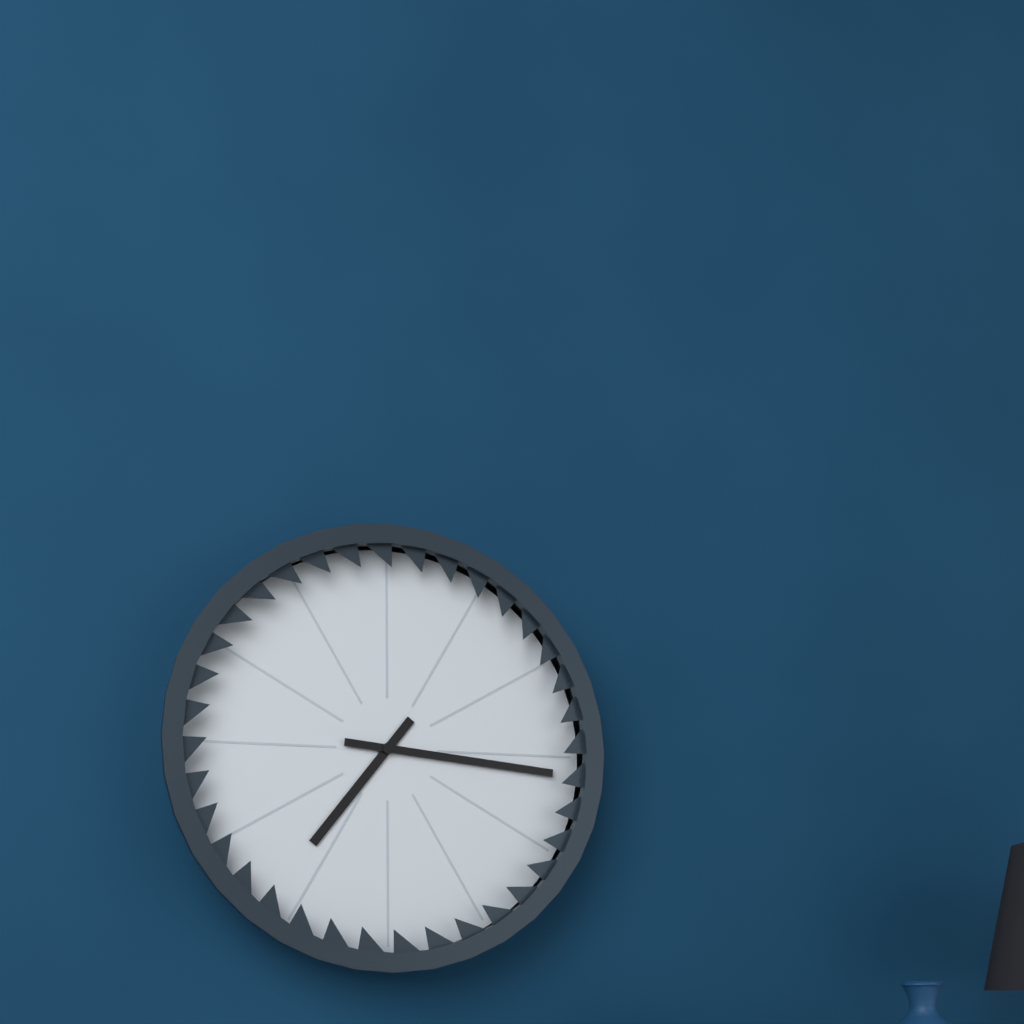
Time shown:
{"hour": 7, "minute": 16}
